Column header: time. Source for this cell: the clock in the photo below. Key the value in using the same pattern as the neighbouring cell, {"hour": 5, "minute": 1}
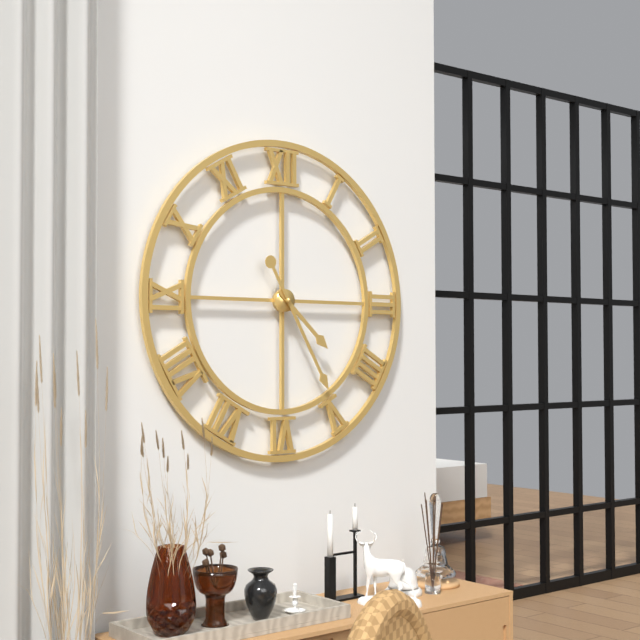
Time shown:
{"hour": 4, "minute": 25}
